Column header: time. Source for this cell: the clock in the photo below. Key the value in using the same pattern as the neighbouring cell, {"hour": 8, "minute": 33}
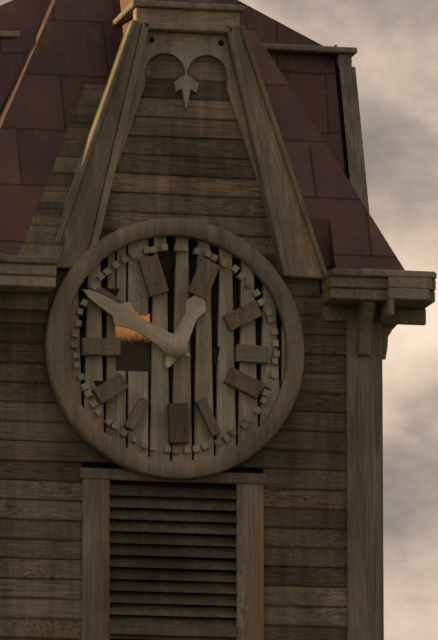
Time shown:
{"hour": 12, "minute": 50}
